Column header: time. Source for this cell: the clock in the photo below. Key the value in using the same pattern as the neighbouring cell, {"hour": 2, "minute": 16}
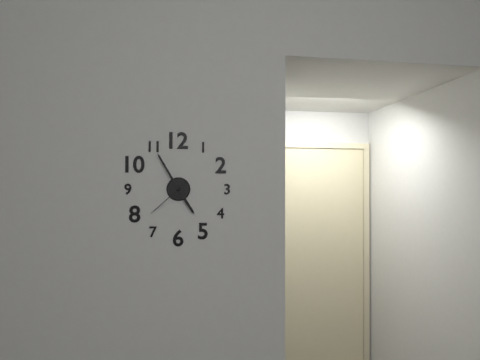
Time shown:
{"hour": 4, "minute": 55}
